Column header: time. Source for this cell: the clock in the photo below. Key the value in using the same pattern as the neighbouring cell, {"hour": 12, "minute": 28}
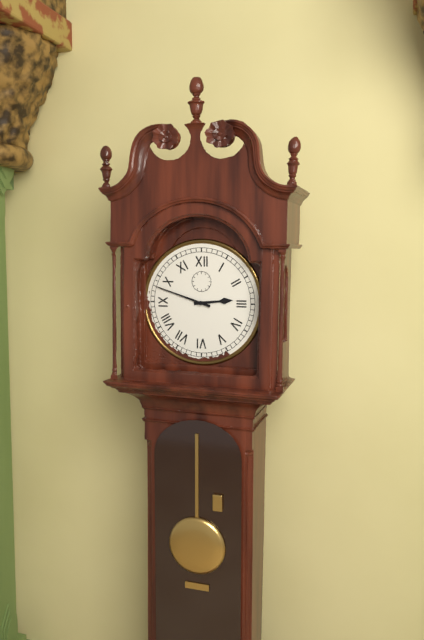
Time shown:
{"hour": 2, "minute": 48}
